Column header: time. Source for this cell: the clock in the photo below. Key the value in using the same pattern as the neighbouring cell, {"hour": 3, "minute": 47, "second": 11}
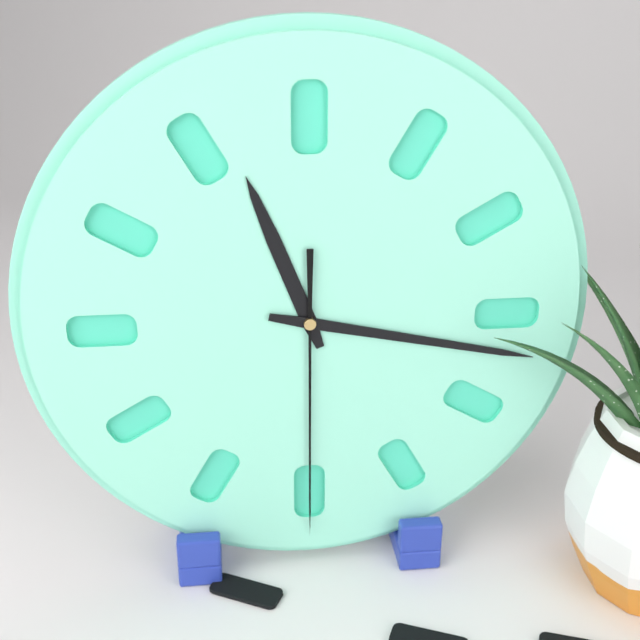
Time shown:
{"hour": 11, "minute": 17, "second": 30}
